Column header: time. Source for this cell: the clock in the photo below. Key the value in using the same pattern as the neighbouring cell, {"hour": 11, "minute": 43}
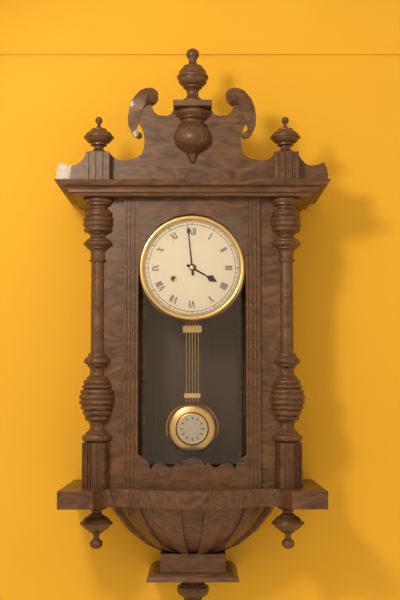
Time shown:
{"hour": 3, "minute": 59}
